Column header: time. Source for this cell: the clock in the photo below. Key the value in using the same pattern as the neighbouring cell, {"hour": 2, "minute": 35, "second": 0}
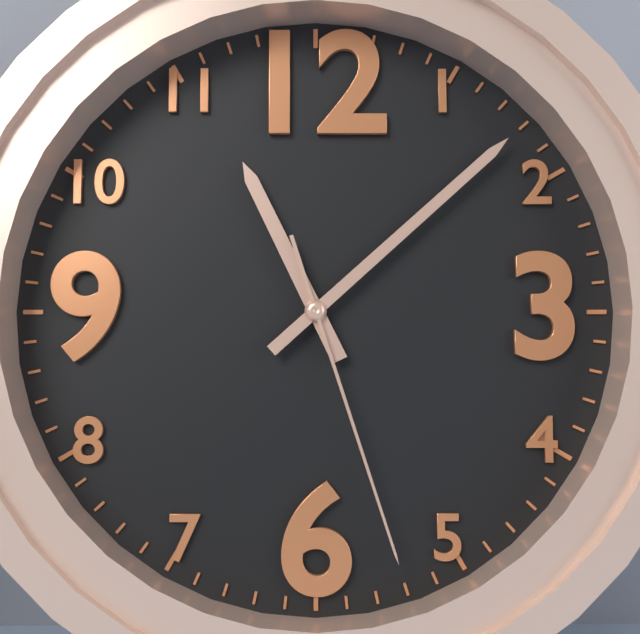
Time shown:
{"hour": 11, "minute": 8, "second": 27}
